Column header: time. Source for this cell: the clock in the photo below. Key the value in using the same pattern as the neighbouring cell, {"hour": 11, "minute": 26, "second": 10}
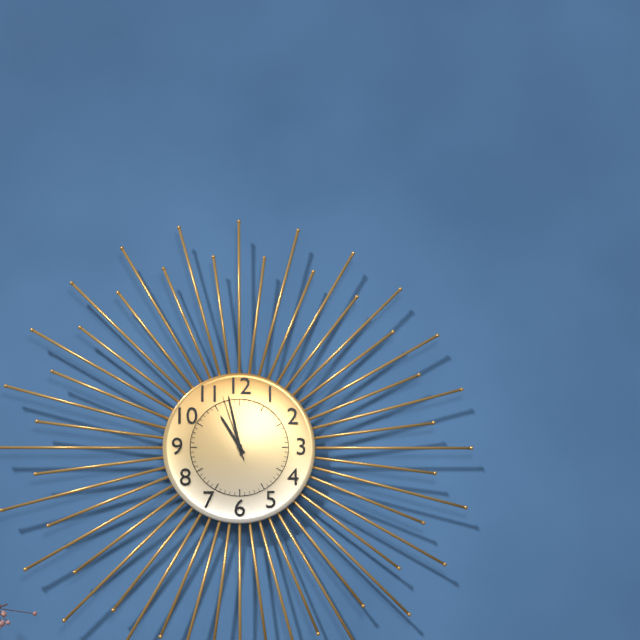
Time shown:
{"hour": 10, "minute": 58, "second": 57}
